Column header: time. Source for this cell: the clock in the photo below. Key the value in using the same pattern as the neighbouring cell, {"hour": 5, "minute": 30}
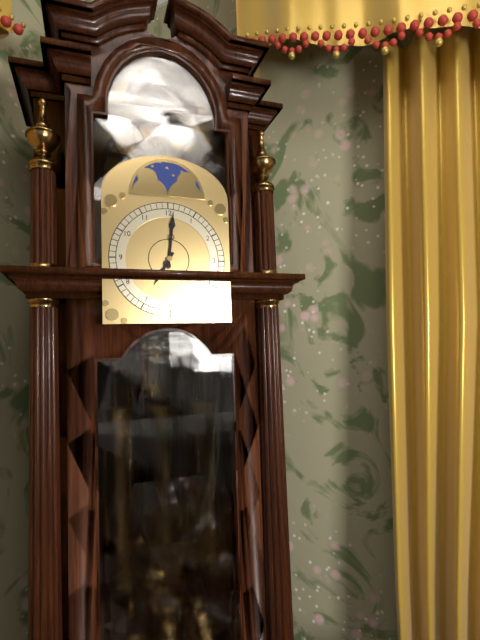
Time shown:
{"hour": 7, "minute": 1}
